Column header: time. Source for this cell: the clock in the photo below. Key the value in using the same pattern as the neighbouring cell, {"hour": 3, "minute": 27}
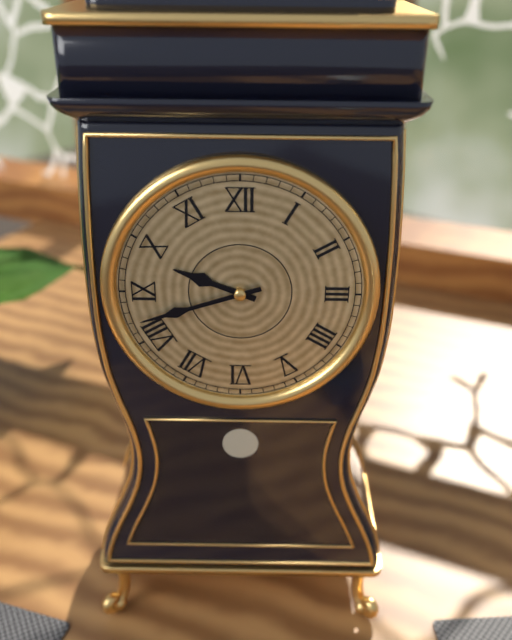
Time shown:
{"hour": 9, "minute": 42}
